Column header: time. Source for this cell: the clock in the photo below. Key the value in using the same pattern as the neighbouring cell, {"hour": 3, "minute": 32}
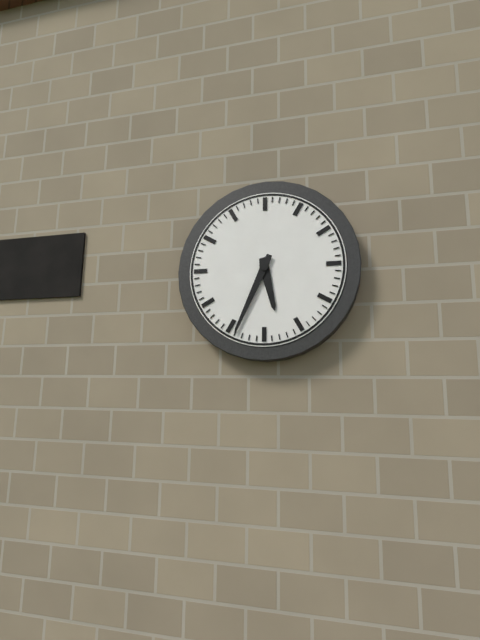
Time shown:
{"hour": 5, "minute": 34}
